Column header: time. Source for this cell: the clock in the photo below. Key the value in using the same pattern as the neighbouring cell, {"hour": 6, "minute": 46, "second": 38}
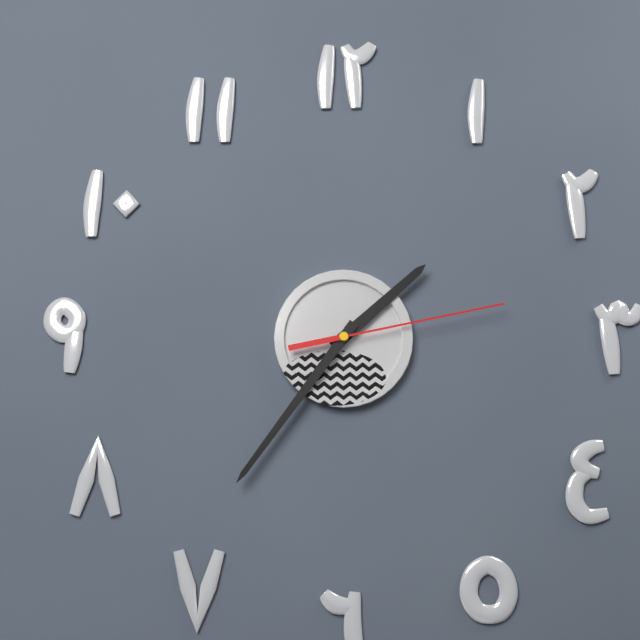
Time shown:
{"hour": 1, "minute": 36, "second": 13}
